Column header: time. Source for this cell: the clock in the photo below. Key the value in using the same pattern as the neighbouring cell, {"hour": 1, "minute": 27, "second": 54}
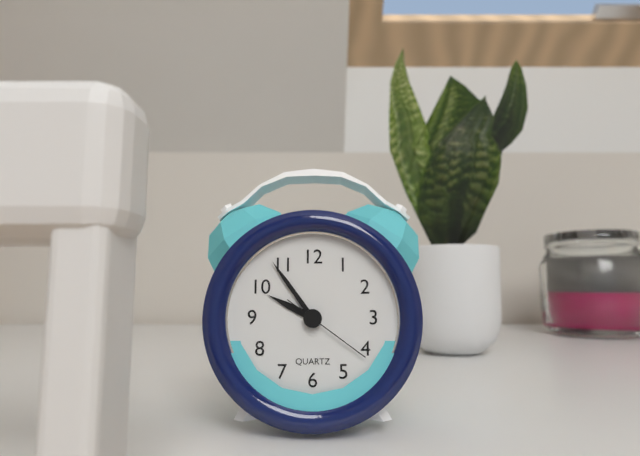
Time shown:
{"hour": 9, "minute": 54, "second": 21}
